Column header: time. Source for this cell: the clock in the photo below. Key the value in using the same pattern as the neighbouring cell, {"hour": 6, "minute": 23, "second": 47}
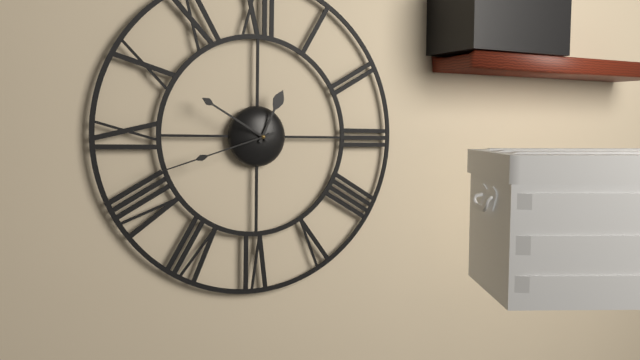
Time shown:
{"hour": 12, "minute": 50, "second": 42}
